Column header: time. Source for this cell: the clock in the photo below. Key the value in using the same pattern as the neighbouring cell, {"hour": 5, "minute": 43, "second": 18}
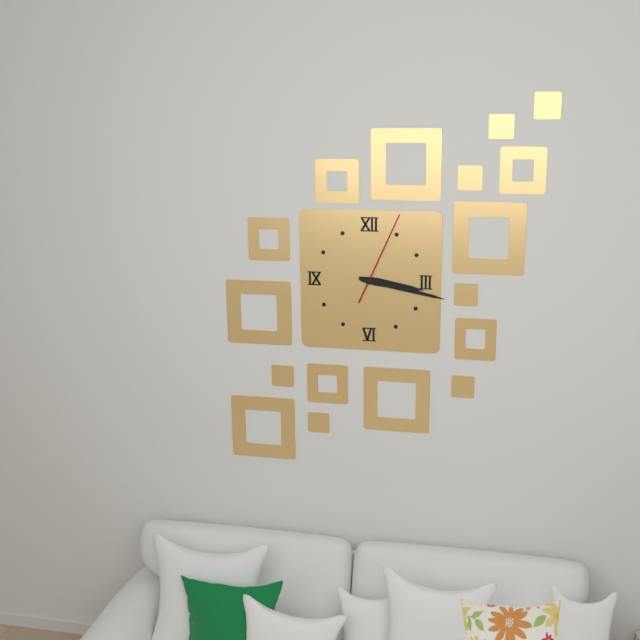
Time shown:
{"hour": 3, "minute": 17, "second": 4}
